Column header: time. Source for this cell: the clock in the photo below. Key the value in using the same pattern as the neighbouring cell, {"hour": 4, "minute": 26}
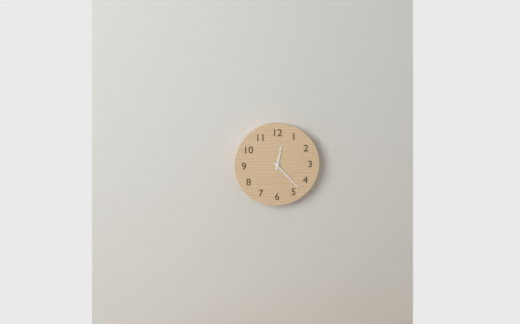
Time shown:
{"hour": 12, "minute": 23}
